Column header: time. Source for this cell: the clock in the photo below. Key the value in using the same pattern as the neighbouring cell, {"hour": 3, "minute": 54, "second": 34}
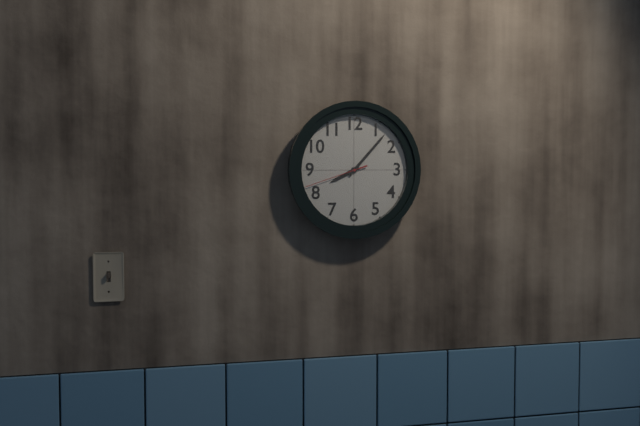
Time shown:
{"hour": 8, "minute": 7, "second": 42}
